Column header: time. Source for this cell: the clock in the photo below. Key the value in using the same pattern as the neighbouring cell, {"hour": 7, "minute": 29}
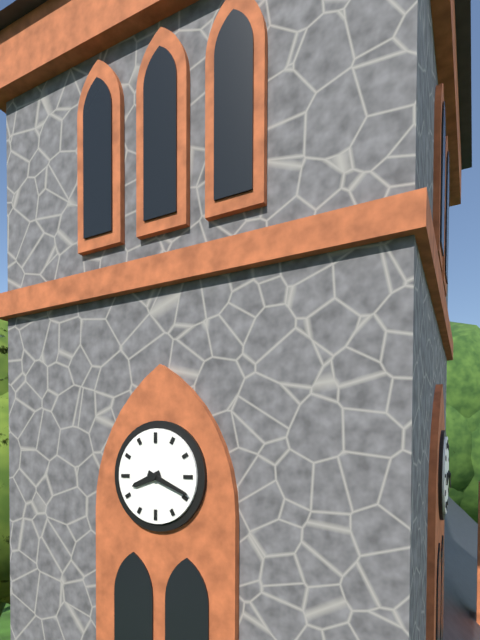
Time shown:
{"hour": 8, "minute": 19}
